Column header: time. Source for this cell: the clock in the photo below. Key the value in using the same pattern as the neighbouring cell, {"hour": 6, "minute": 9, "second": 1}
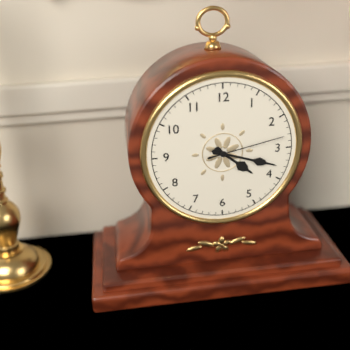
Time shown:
{"hour": 4, "minute": 18, "second": 13}
